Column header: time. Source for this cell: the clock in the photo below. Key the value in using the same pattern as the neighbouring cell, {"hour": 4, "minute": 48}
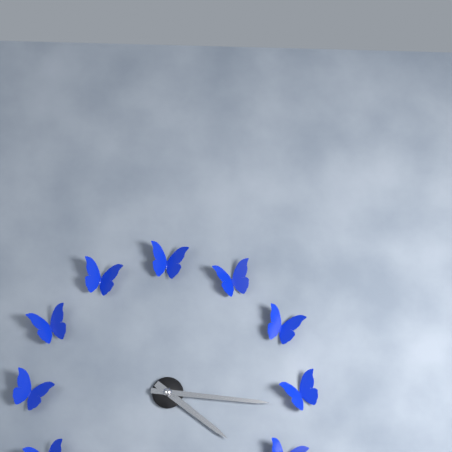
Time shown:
{"hour": 4, "minute": 16}
